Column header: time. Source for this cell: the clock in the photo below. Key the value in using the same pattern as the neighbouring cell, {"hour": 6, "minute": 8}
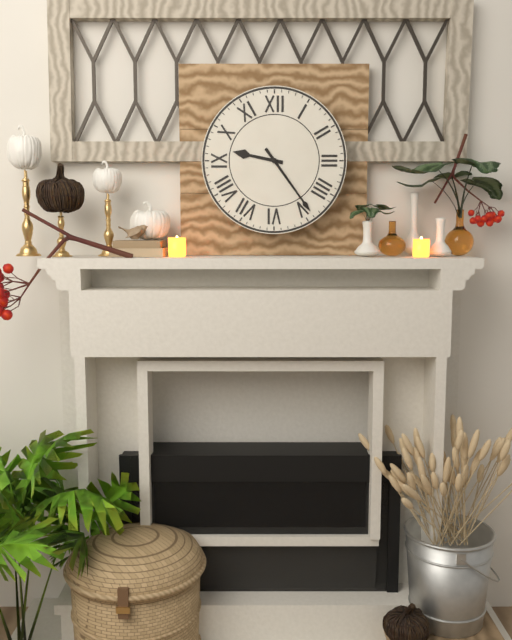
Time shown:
{"hour": 9, "minute": 24}
